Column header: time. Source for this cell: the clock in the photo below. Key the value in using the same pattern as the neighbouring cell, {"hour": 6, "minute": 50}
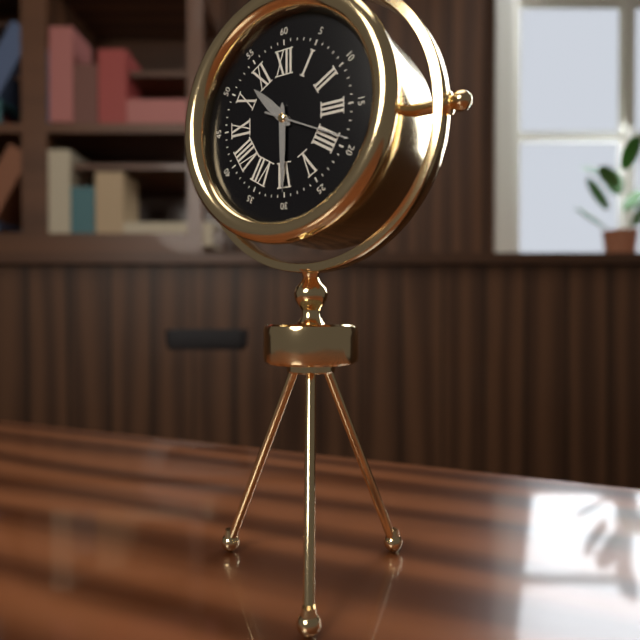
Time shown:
{"hour": 10, "minute": 30}
